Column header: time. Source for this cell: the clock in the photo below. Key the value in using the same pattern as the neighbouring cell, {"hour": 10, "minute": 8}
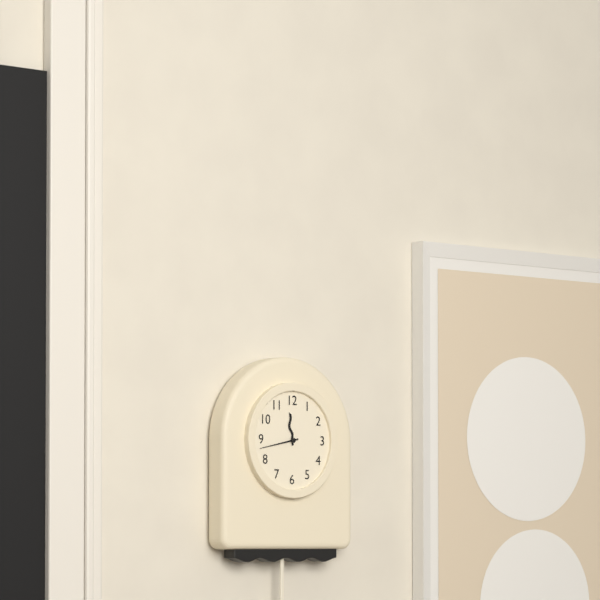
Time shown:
{"hour": 11, "minute": 43}
